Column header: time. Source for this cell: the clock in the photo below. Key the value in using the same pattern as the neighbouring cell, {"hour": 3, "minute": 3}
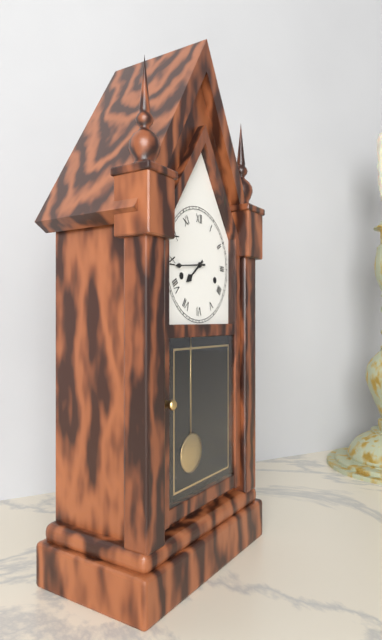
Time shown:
{"hour": 7, "minute": 44}
